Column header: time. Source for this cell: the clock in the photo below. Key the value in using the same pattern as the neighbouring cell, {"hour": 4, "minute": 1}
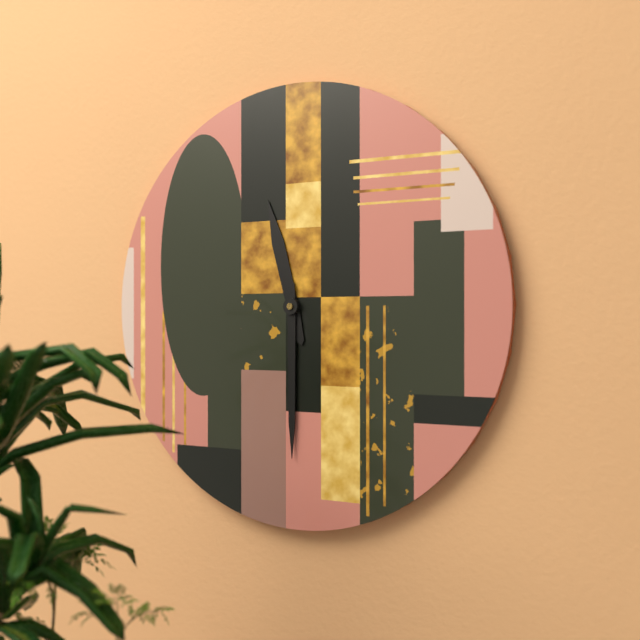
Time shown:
{"hour": 11, "minute": 30}
